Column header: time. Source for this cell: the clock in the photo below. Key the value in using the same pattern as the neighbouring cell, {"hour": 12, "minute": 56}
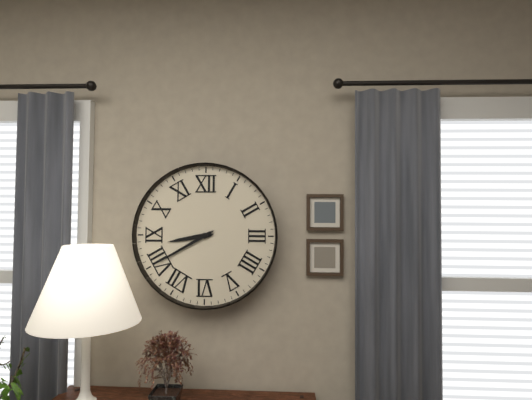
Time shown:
{"hour": 8, "minute": 40}
